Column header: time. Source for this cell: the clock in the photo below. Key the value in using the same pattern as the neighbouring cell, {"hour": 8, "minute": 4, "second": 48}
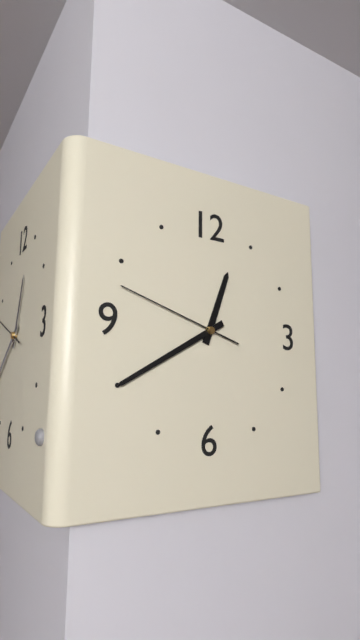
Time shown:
{"hour": 12, "minute": 40, "second": 48}
